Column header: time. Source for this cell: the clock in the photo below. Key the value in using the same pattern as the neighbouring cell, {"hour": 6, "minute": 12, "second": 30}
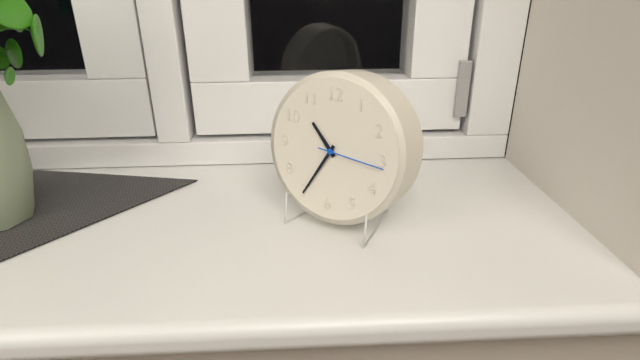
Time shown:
{"hour": 10, "minute": 35, "second": 16}
